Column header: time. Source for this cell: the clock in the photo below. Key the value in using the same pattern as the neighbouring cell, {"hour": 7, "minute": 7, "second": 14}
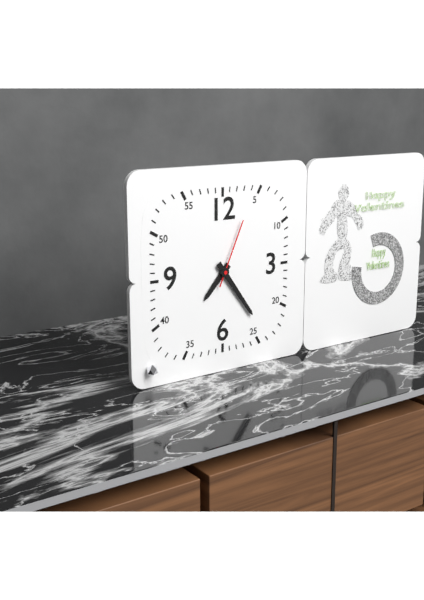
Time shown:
{"hour": 7, "minute": 24, "second": 4}
